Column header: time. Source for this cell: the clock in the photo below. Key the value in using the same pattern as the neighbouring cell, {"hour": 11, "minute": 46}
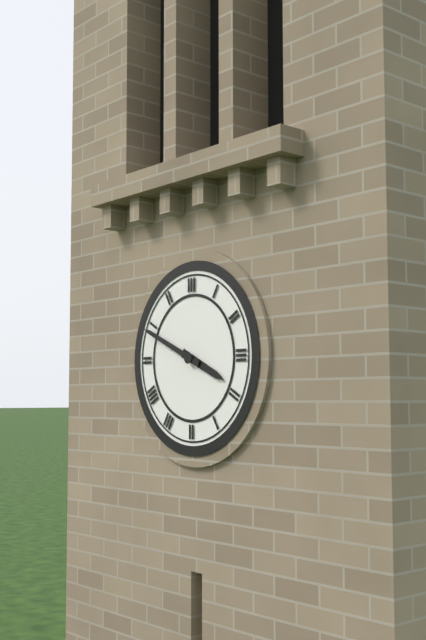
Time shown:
{"hour": 3, "minute": 49}
